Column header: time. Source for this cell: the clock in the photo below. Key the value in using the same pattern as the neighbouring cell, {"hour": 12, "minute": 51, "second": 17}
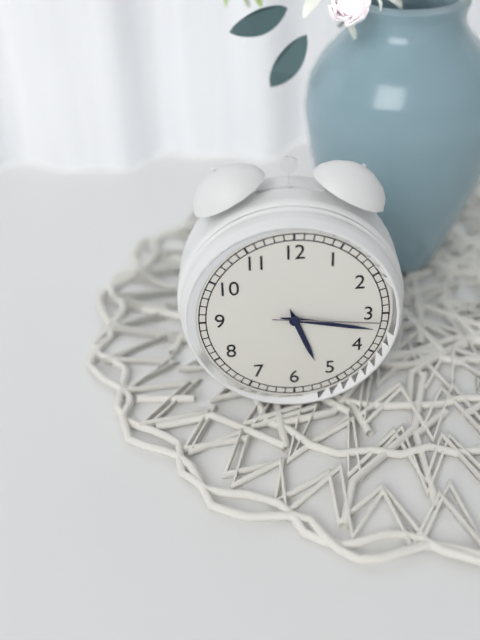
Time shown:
{"hour": 5, "minute": 17, "second": 16}
